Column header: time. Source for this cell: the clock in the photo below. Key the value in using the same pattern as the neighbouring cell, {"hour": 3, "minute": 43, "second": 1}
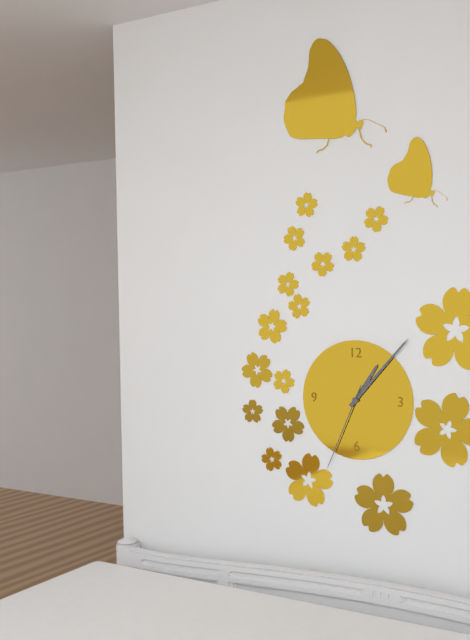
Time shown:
{"hour": 1, "minute": 7, "second": 34}
